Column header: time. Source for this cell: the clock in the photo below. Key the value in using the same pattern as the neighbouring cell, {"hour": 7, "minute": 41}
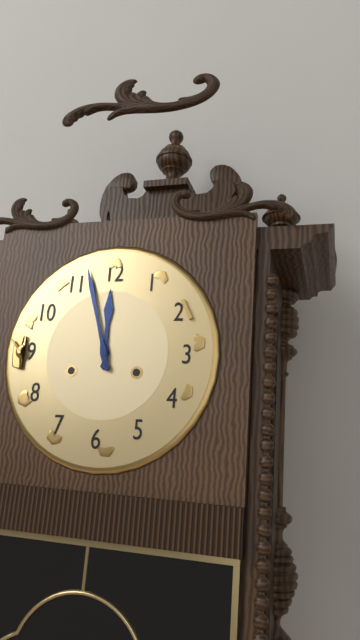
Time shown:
{"hour": 11, "minute": 57}
